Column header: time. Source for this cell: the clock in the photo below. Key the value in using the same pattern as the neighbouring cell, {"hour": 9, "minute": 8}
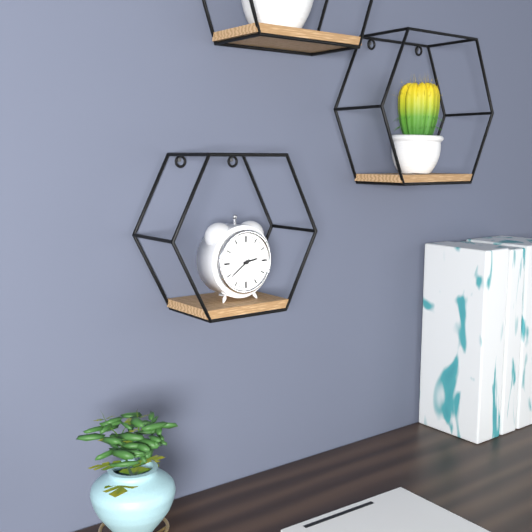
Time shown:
{"hour": 2, "minute": 39}
